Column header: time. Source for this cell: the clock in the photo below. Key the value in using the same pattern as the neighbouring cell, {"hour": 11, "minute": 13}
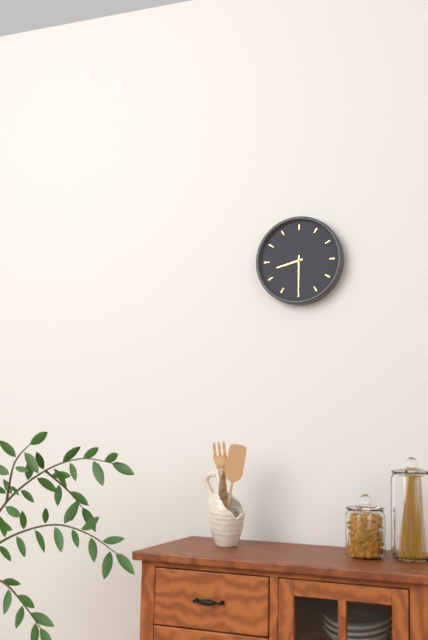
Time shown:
{"hour": 8, "minute": 30}
